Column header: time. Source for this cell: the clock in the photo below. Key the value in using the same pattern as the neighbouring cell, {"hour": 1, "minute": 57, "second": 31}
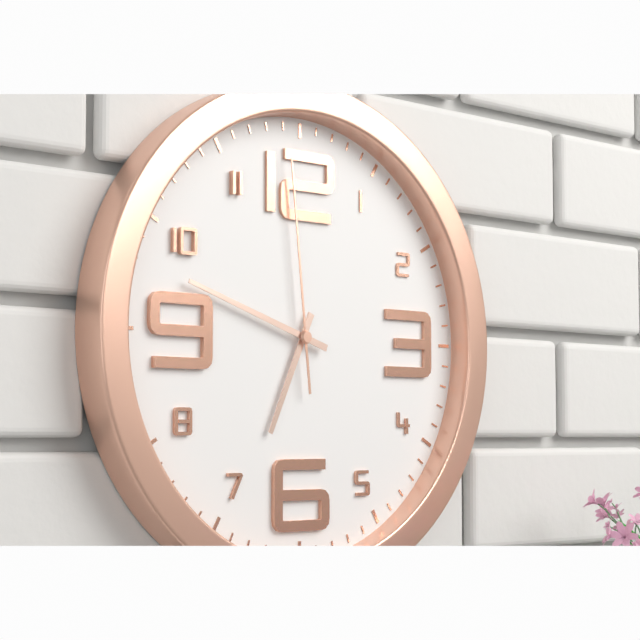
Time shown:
{"hour": 6, "minute": 48, "second": 59}
